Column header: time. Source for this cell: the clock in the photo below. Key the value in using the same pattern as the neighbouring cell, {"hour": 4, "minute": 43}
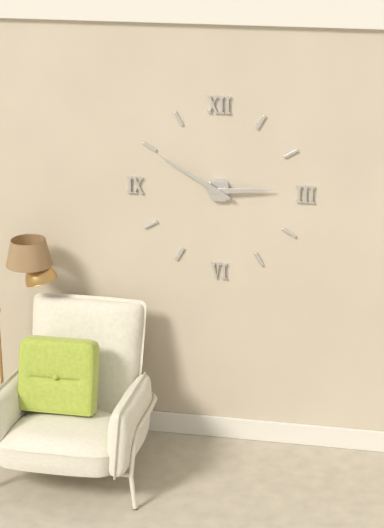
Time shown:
{"hour": 2, "minute": 50}
